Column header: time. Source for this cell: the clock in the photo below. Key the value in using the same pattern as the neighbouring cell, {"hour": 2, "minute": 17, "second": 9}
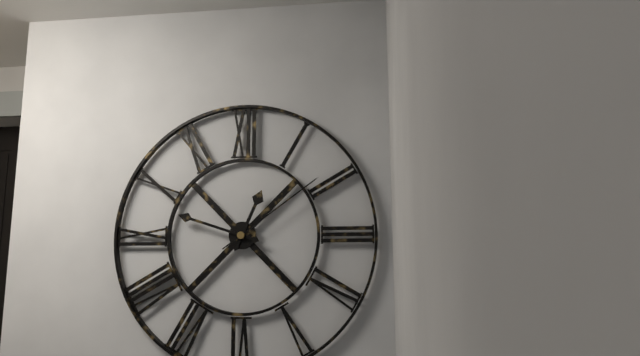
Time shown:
{"hour": 12, "minute": 48, "second": 9}
